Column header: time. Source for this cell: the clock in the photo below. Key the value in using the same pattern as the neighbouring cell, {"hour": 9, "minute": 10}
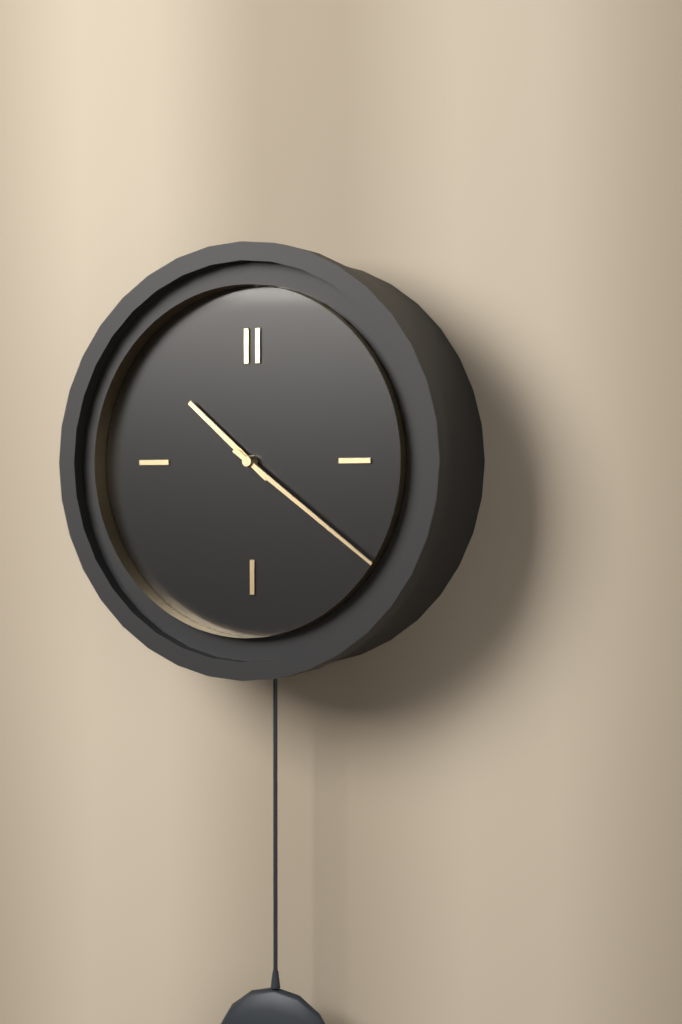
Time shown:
{"hour": 10, "minute": 21}
